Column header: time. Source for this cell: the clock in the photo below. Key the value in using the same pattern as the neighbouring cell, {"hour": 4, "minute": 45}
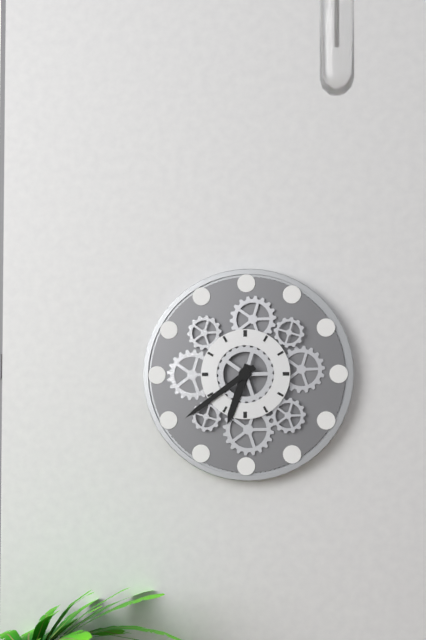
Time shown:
{"hour": 6, "minute": 39}
